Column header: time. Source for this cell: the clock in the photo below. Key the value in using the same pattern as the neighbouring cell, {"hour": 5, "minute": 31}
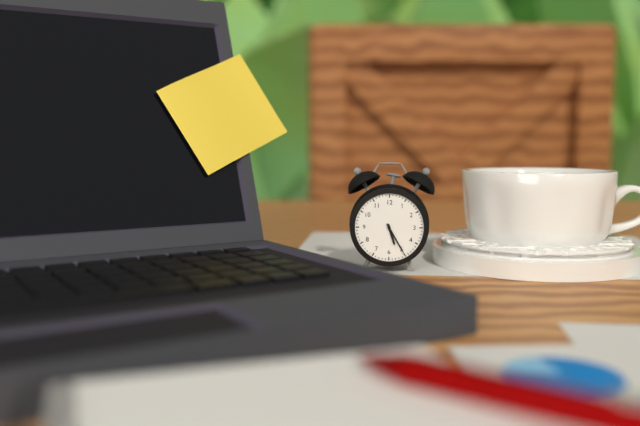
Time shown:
{"hour": 5, "minute": 25}
